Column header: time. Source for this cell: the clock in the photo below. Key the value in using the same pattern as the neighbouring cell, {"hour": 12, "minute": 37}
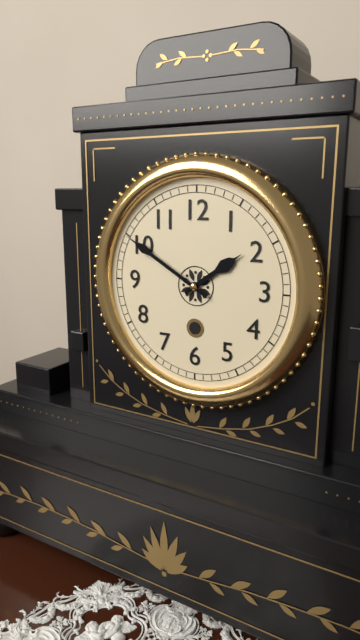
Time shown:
{"hour": 1, "minute": 50}
